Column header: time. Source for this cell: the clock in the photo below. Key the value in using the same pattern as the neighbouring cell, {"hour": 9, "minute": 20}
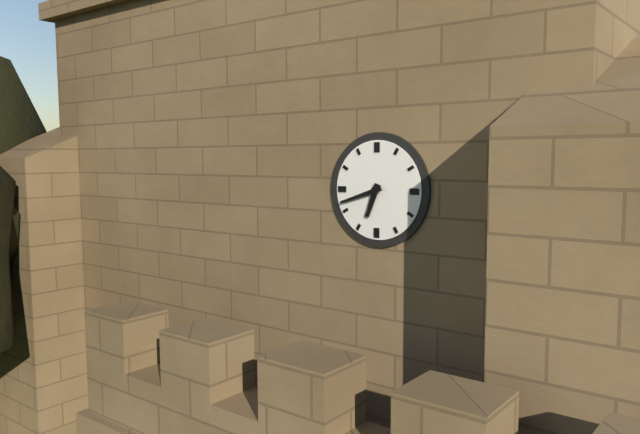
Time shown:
{"hour": 6, "minute": 42}
